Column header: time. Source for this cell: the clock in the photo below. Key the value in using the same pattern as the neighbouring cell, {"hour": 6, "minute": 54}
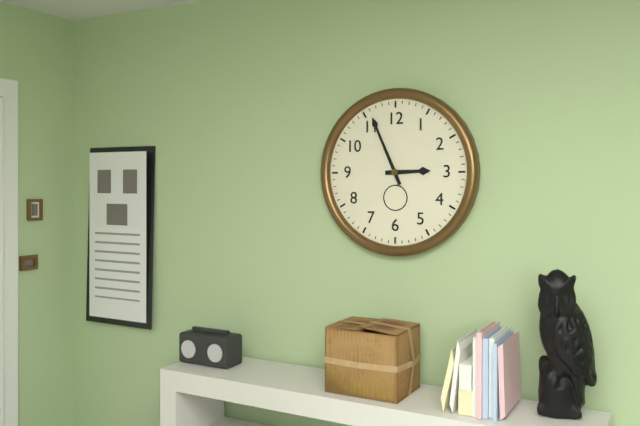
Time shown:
{"hour": 2, "minute": 56}
